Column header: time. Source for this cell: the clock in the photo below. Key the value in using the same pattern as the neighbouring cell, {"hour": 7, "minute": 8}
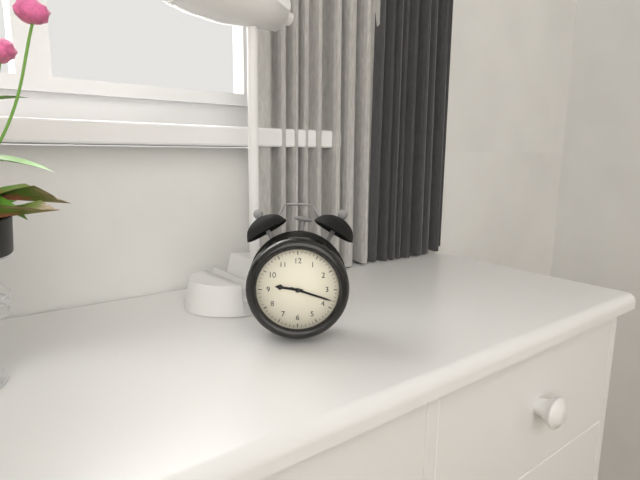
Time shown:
{"hour": 9, "minute": 18}
